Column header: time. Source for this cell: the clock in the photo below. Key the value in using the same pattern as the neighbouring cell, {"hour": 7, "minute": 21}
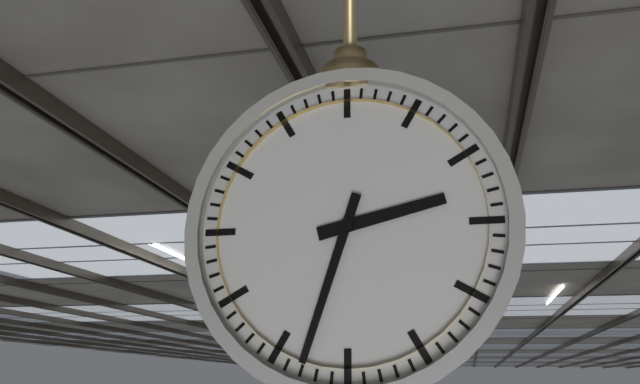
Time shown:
{"hour": 2, "minute": 33}
